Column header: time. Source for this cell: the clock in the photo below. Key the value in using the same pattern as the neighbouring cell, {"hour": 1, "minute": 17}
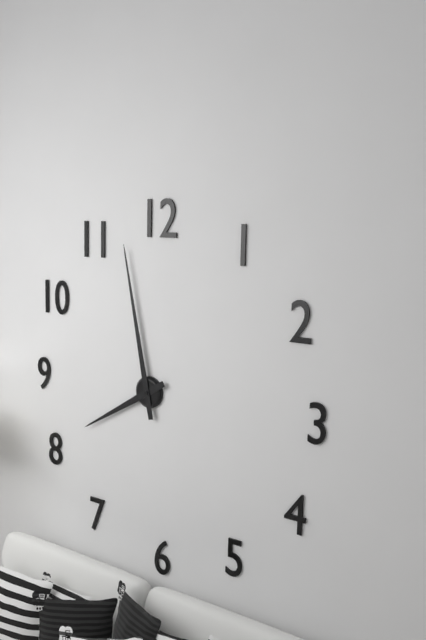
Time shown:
{"hour": 7, "minute": 58}
